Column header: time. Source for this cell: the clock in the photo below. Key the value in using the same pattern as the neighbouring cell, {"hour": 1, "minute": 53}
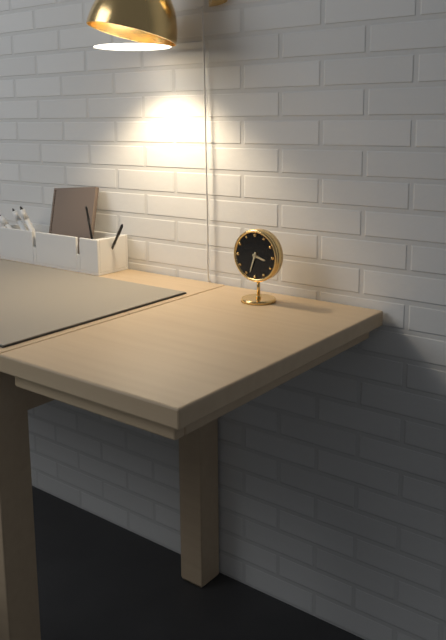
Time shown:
{"hour": 3, "minute": 33}
